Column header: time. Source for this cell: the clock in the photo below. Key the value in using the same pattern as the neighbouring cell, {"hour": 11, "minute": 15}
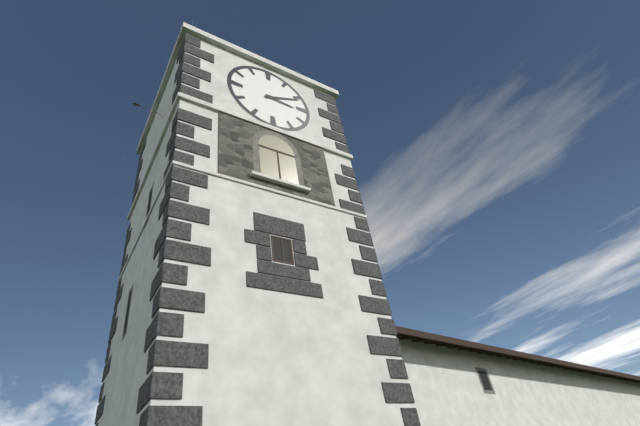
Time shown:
{"hour": 3, "minute": 11}
